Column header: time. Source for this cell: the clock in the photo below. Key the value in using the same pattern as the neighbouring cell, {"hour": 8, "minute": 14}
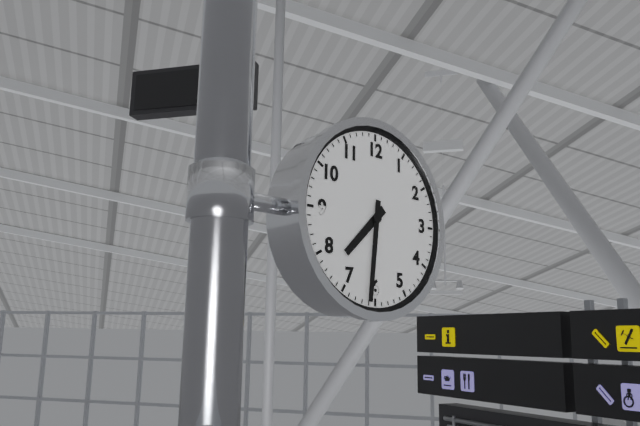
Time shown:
{"hour": 7, "minute": 31}
